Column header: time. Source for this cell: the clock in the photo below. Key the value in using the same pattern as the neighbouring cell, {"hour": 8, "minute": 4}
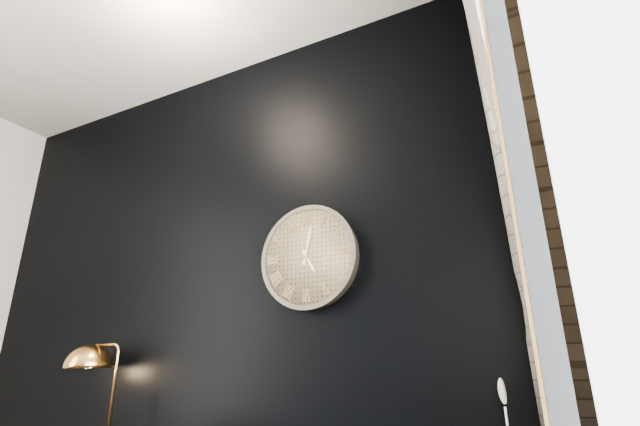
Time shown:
{"hour": 5, "minute": 2}
